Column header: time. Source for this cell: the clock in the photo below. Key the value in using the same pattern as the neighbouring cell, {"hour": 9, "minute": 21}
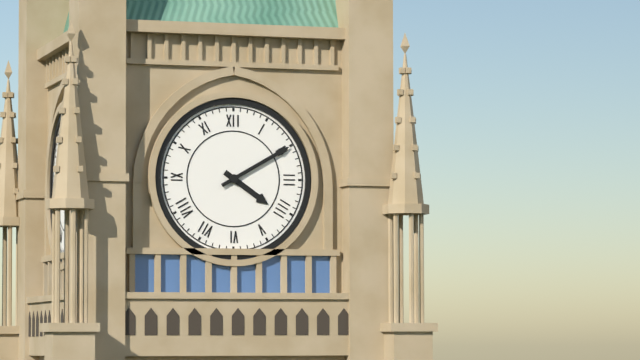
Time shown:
{"hour": 4, "minute": 10}
